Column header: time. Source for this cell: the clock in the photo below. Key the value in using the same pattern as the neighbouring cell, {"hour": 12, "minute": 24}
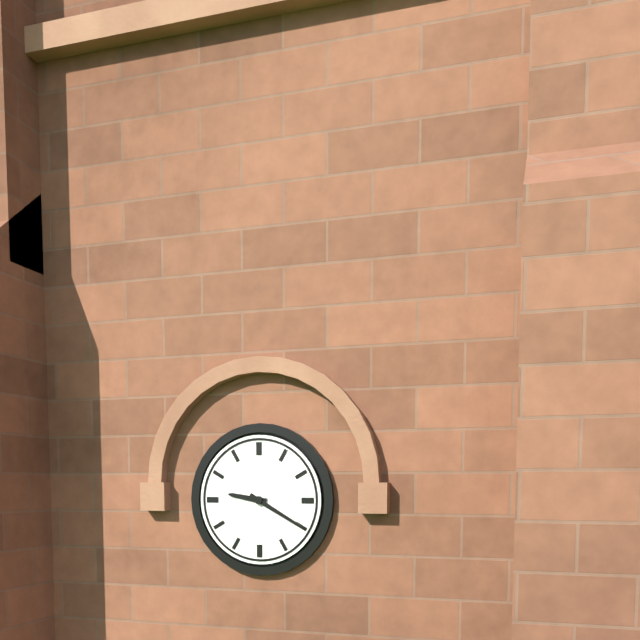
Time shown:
{"hour": 9, "minute": 20}
